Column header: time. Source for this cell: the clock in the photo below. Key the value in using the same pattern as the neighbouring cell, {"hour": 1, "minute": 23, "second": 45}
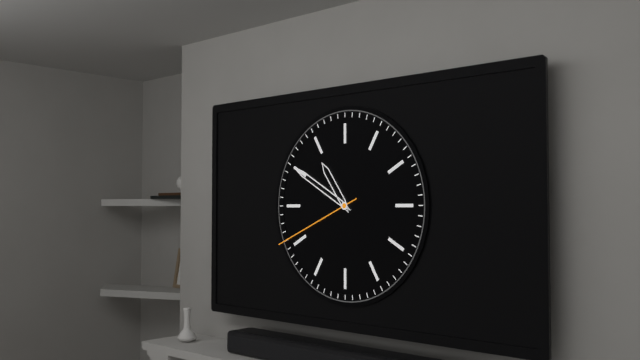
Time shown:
{"hour": 10, "minute": 50, "second": 41}
